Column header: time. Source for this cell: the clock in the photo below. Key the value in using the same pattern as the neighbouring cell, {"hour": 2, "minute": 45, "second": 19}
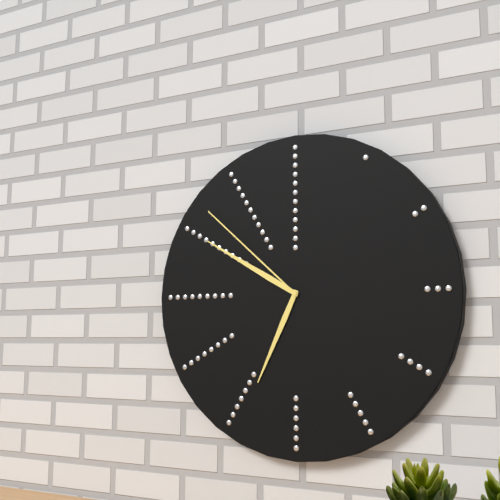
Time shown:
{"hour": 6, "minute": 50, "second": 52}
